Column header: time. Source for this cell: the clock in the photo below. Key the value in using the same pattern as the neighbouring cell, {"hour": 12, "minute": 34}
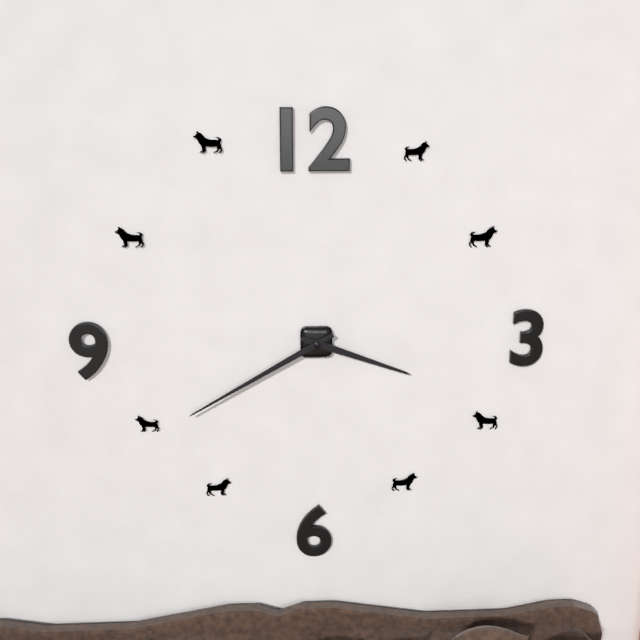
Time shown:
{"hour": 3, "minute": 40}
